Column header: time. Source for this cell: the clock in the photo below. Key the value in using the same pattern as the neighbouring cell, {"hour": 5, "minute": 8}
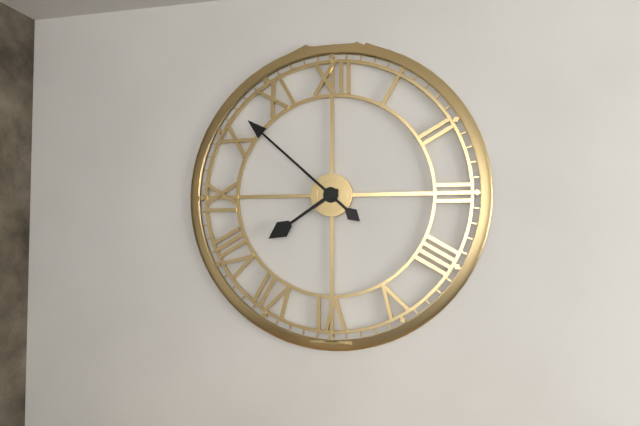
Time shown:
{"hour": 7, "minute": 52}
